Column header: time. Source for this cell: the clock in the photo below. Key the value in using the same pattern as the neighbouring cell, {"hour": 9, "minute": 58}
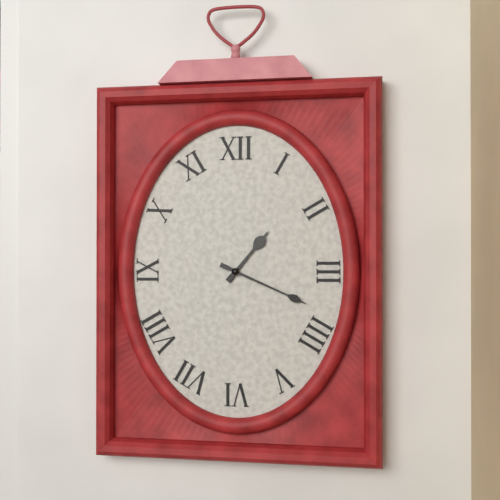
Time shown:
{"hour": 1, "minute": 19}
